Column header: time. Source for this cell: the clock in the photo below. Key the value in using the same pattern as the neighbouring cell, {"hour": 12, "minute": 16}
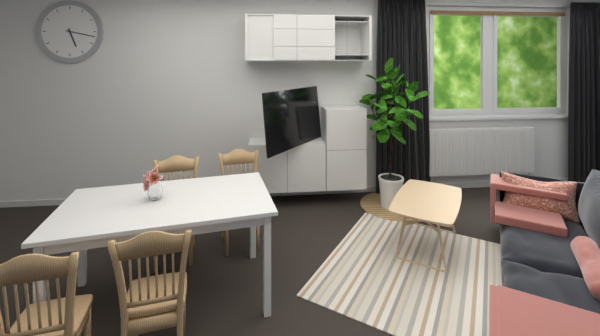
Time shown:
{"hour": 5, "minute": 17}
